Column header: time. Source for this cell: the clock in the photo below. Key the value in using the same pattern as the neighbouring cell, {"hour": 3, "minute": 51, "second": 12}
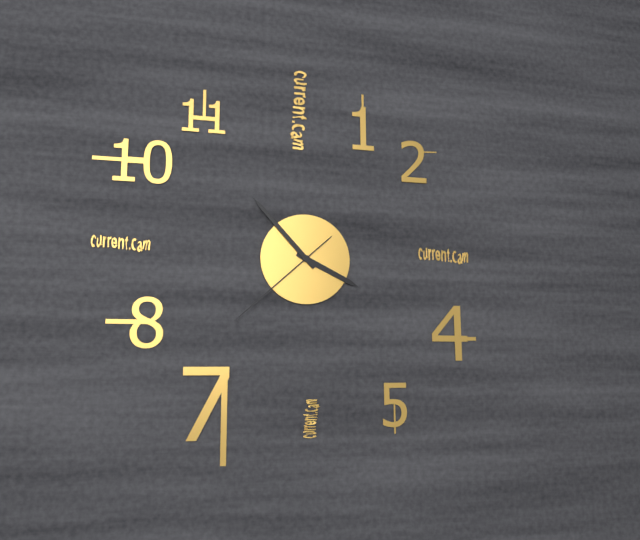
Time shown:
{"hour": 3, "minute": 53, "second": 38}
